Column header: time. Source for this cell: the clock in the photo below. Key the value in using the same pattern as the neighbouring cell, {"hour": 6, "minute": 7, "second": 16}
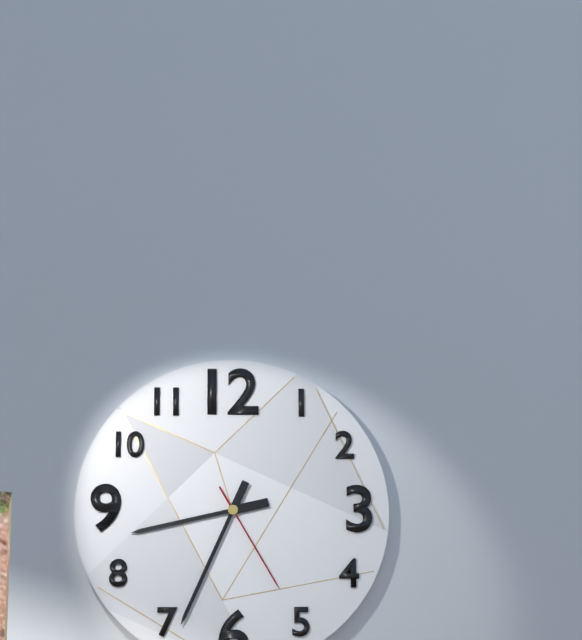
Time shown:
{"hour": 8, "minute": 34, "second": 25}
